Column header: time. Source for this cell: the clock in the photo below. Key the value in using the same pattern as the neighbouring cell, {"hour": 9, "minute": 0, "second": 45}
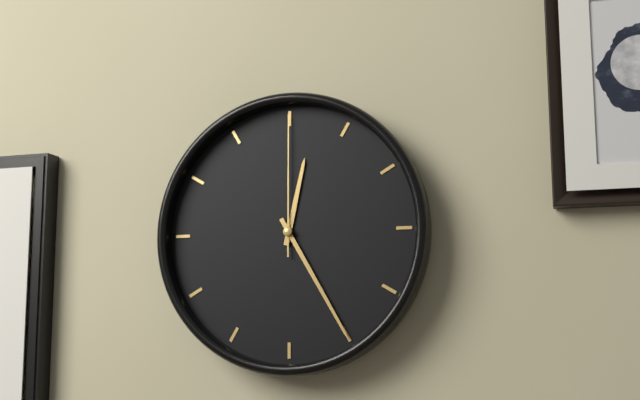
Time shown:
{"hour": 12, "minute": 25, "second": 0}
